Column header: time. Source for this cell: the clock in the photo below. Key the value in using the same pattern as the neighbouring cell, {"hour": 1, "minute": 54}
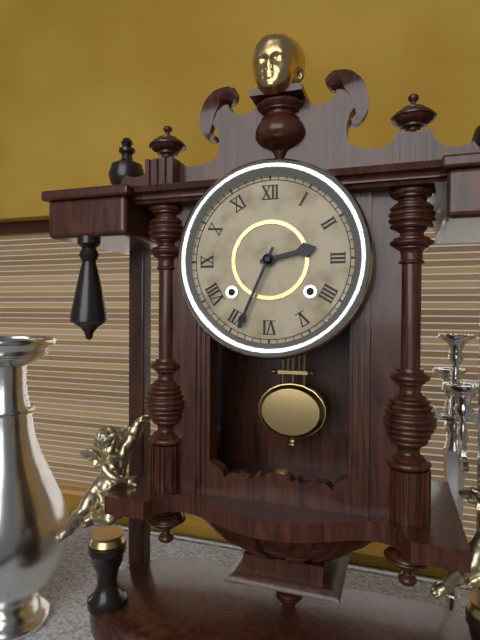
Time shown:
{"hour": 2, "minute": 34}
